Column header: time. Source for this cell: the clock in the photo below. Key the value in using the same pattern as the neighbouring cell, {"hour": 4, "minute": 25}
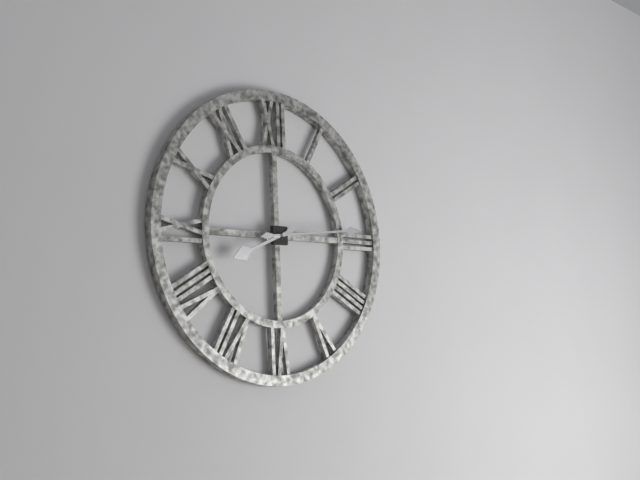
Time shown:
{"hour": 8, "minute": 14}
